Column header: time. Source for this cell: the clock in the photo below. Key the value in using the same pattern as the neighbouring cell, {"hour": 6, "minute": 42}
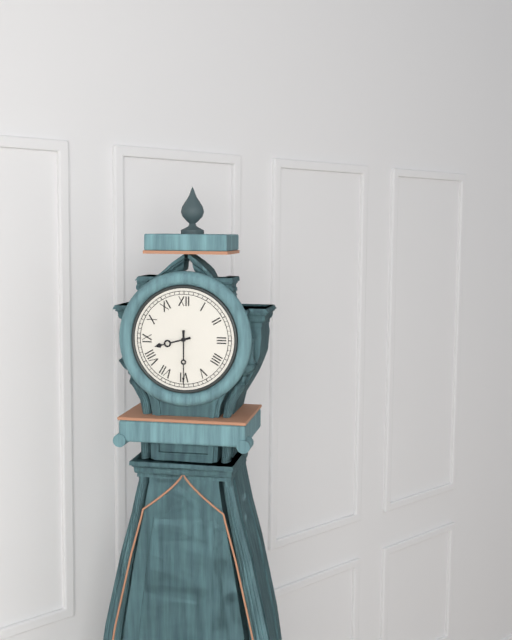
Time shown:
{"hour": 8, "minute": 30}
